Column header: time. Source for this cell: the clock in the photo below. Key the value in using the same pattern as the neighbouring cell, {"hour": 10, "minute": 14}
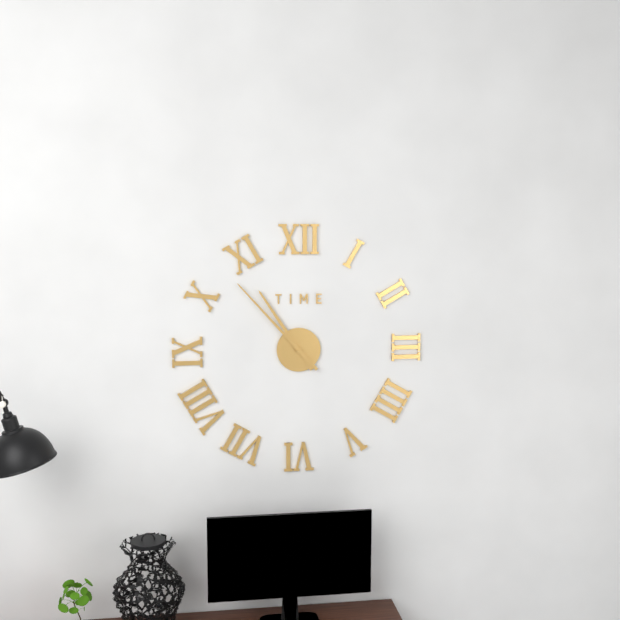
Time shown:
{"hour": 10, "minute": 53}
